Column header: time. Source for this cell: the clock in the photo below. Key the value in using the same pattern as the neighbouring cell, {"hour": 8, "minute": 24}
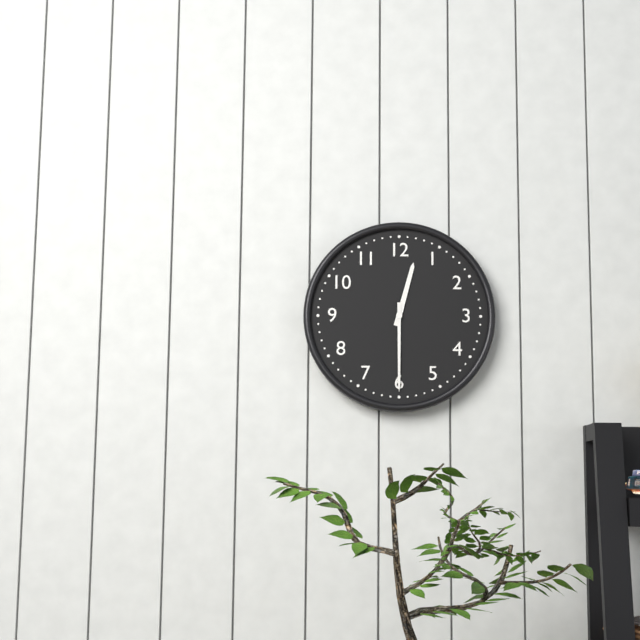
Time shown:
{"hour": 12, "minute": 30}
